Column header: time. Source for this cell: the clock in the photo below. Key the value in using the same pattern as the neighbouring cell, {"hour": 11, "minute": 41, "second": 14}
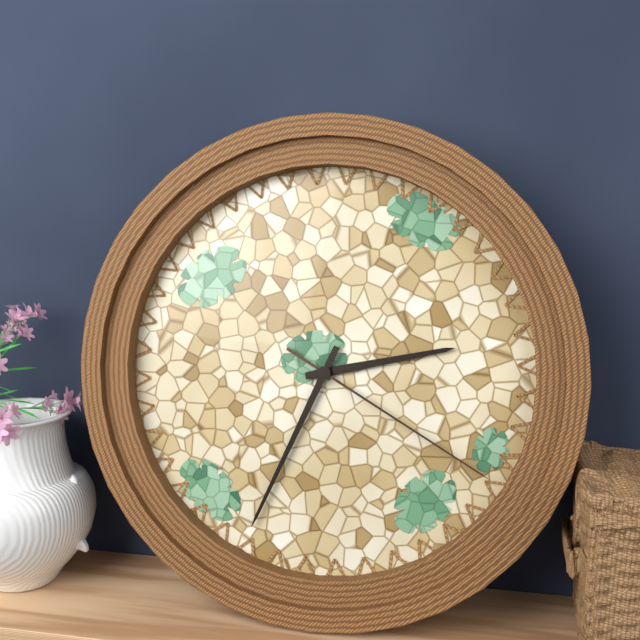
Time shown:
{"hour": 2, "minute": 34, "second": 20}
